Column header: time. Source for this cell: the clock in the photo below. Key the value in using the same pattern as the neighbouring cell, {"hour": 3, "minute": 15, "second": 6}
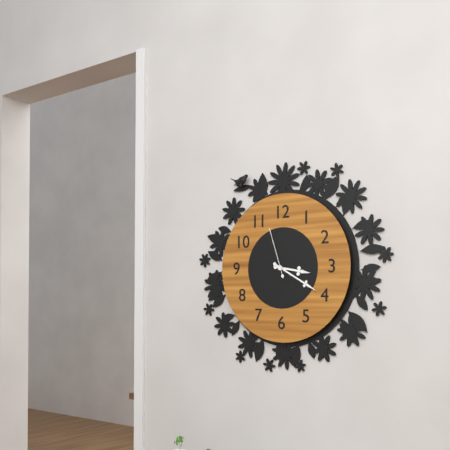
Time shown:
{"hour": 3, "minute": 20, "second": 57}
